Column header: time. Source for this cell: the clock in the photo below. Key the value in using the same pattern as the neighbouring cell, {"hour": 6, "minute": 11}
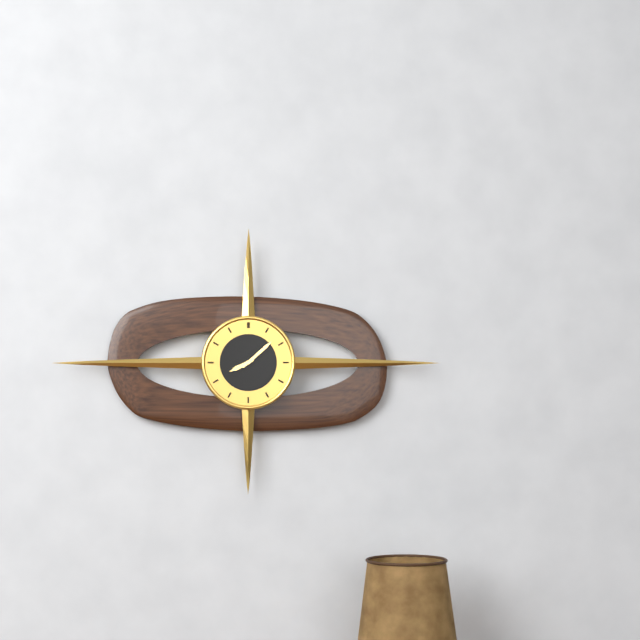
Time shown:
{"hour": 8, "minute": 8}
